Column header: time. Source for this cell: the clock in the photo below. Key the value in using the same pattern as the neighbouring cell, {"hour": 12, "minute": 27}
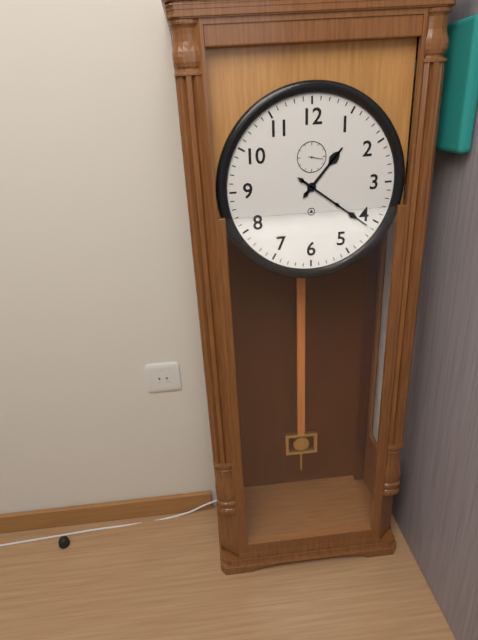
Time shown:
{"hour": 1, "minute": 21}
